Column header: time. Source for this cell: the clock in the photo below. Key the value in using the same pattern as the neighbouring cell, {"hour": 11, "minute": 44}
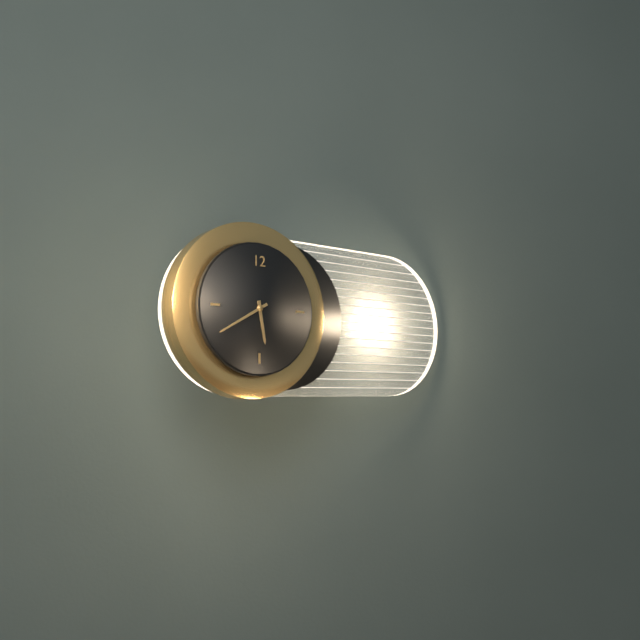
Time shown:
{"hour": 5, "minute": 40}
